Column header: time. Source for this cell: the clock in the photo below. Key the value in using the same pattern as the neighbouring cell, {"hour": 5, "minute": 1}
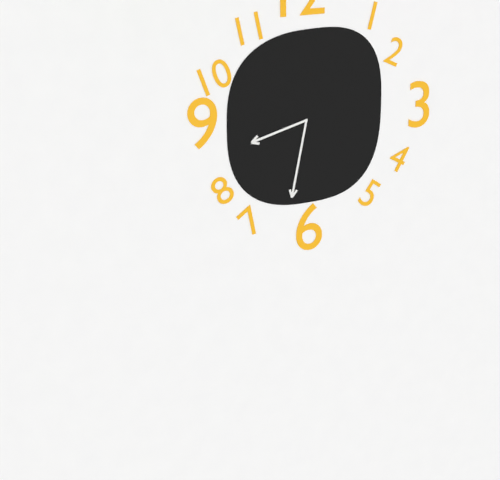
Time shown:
{"hour": 8, "minute": 32}
